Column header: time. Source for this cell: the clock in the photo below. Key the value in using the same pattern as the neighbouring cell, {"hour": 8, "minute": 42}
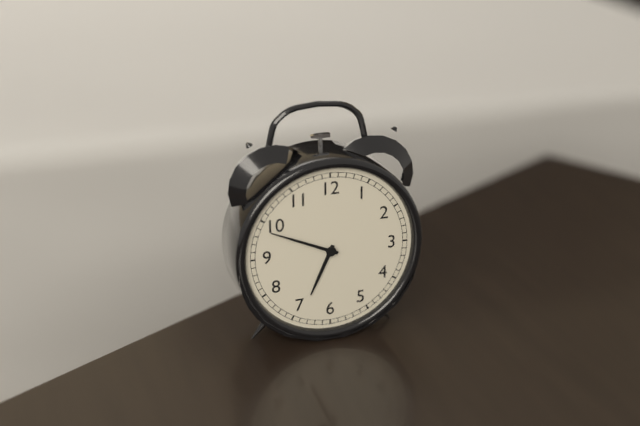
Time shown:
{"hour": 6, "minute": 49}
